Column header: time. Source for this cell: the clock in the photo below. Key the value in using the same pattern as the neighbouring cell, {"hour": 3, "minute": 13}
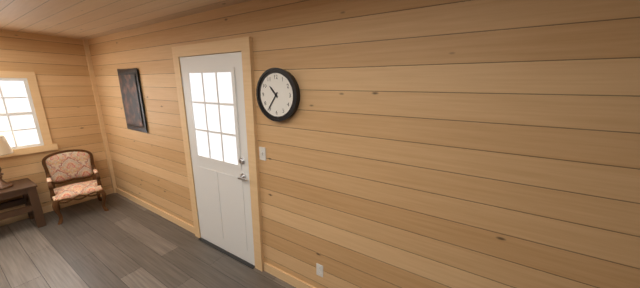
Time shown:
{"hour": 10, "minute": 36}
